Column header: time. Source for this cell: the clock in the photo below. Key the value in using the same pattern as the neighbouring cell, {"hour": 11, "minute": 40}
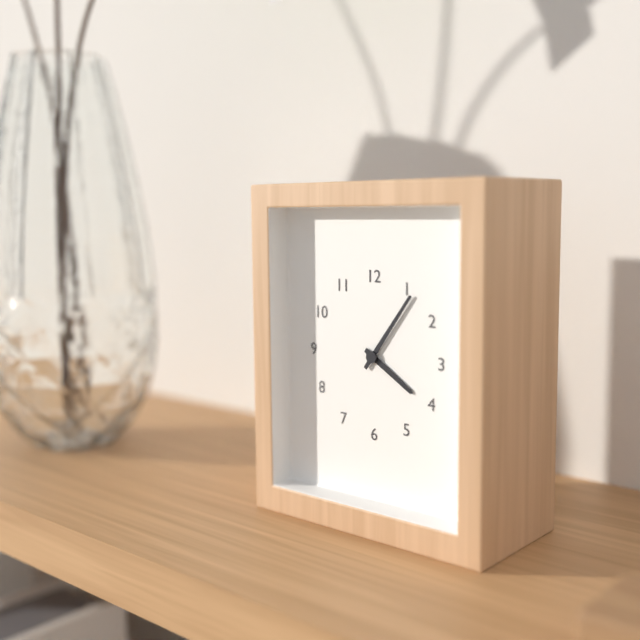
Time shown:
{"hour": 4, "minute": 6}
